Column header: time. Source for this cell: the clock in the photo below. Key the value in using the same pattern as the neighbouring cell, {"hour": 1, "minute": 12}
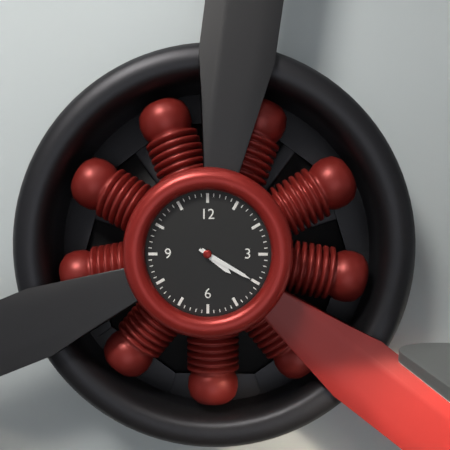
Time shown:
{"hour": 4, "minute": 20}
